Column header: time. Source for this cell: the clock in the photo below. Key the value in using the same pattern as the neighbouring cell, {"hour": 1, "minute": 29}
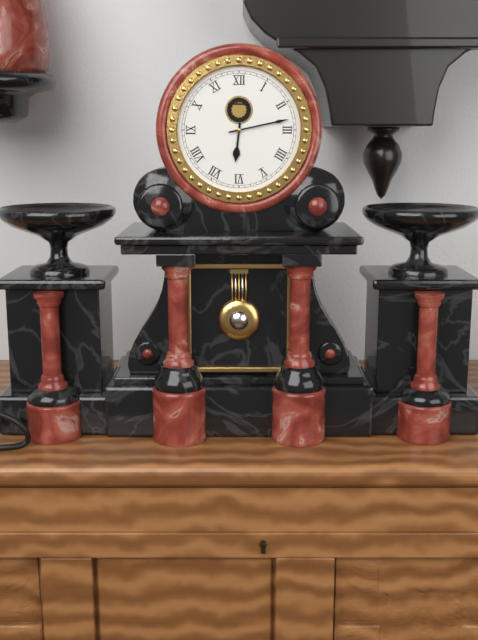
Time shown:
{"hour": 6, "minute": 13}
